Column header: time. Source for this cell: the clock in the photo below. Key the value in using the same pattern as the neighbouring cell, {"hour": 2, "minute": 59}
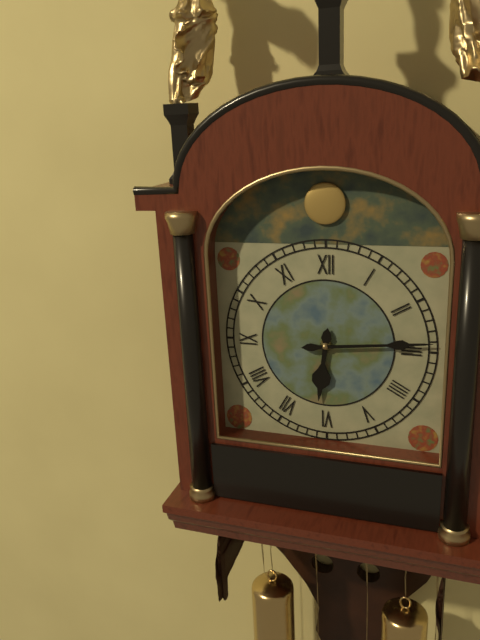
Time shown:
{"hour": 6, "minute": 14}
